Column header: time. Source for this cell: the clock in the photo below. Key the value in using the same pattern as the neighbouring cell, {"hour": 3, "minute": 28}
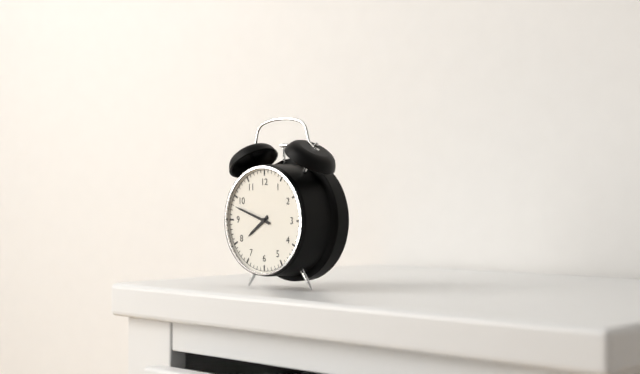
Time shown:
{"hour": 7, "minute": 48}
